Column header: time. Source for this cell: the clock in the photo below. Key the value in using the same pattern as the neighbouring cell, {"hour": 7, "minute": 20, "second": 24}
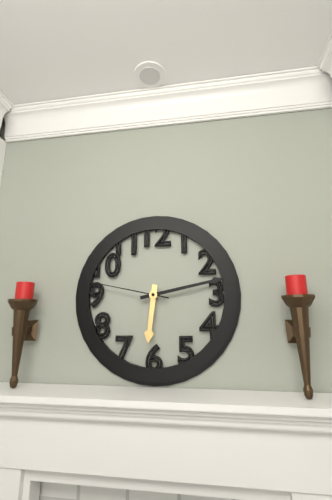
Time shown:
{"hour": 6, "minute": 13, "second": 47}
